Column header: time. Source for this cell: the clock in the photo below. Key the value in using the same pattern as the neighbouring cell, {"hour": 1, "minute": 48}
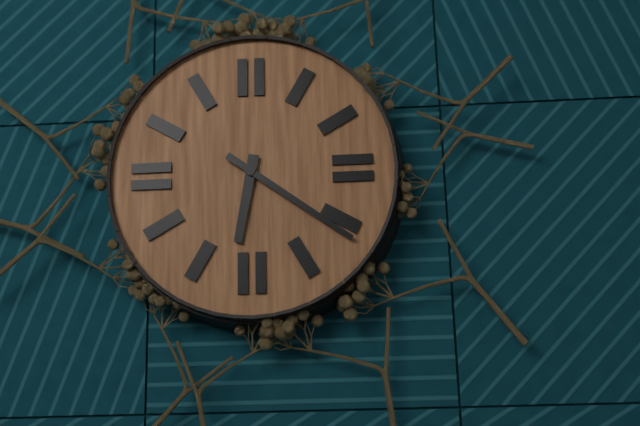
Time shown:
{"hour": 6, "minute": 21}
